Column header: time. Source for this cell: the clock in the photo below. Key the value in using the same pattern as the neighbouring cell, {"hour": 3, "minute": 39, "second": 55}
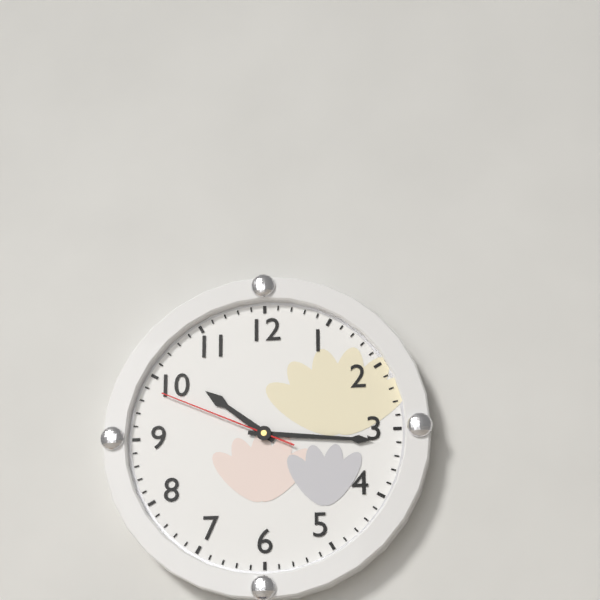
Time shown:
{"hour": 10, "minute": 16, "second": 49}
